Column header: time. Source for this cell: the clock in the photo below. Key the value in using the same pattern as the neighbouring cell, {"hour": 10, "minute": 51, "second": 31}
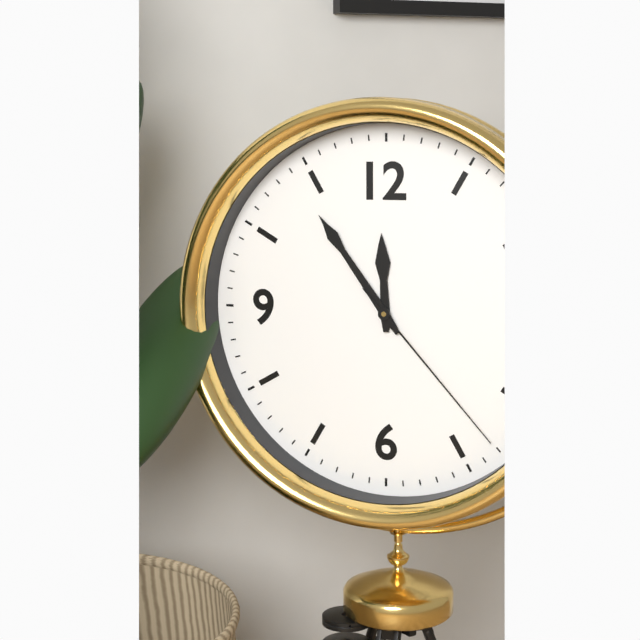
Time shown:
{"hour": 11, "minute": 54, "second": 23}
